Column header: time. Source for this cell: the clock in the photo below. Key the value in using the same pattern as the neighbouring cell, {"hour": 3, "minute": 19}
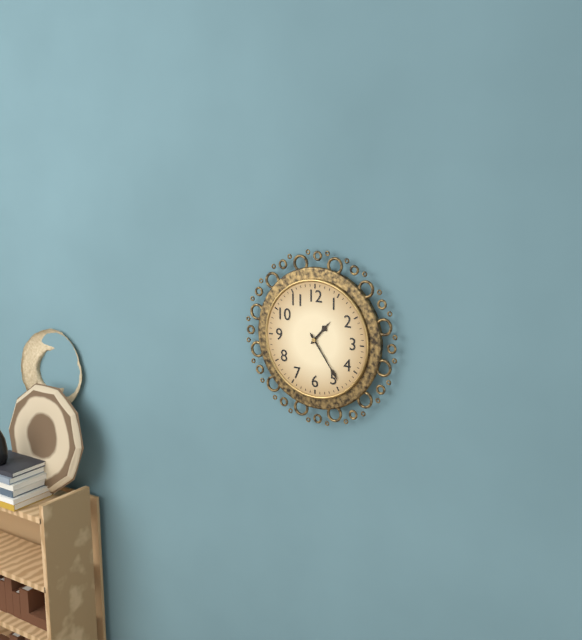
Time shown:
{"hour": 1, "minute": 24}
